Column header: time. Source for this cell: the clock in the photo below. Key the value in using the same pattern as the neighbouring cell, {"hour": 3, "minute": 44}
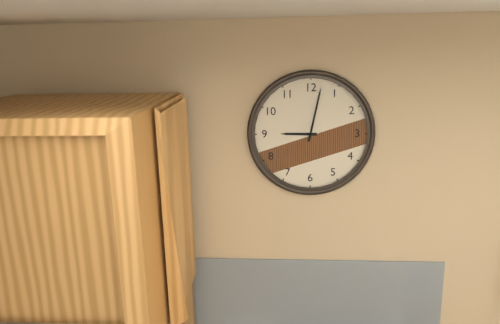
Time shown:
{"hour": 9, "minute": 2}
